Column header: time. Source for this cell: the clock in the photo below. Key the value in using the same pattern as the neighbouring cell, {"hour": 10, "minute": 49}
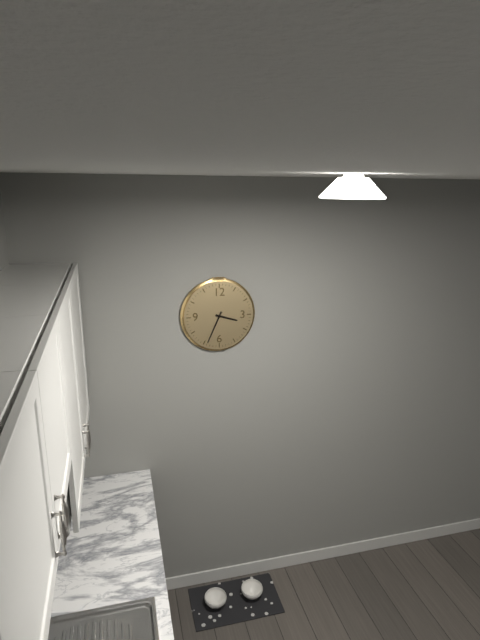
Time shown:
{"hour": 3, "minute": 34}
